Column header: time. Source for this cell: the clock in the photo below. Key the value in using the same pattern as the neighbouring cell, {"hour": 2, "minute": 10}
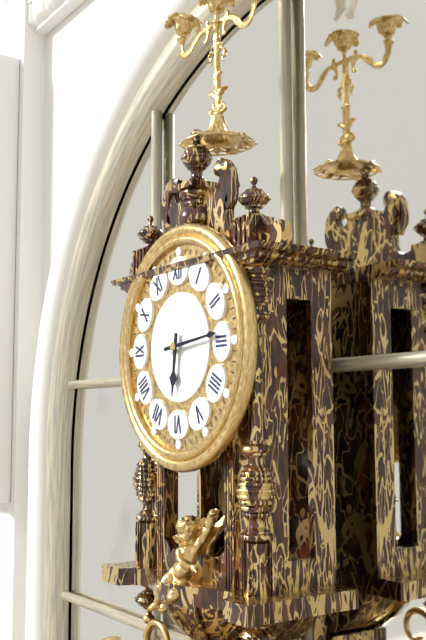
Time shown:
{"hour": 6, "minute": 14}
